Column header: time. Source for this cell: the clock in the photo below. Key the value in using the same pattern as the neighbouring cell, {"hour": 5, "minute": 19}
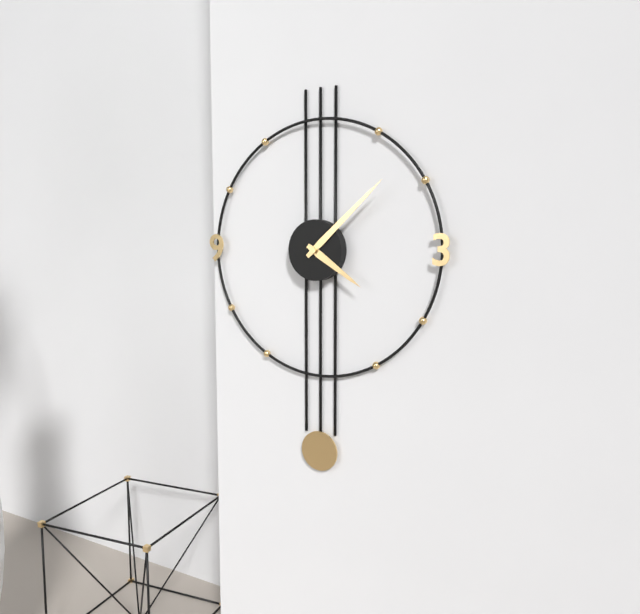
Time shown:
{"hour": 4, "minute": 8}
